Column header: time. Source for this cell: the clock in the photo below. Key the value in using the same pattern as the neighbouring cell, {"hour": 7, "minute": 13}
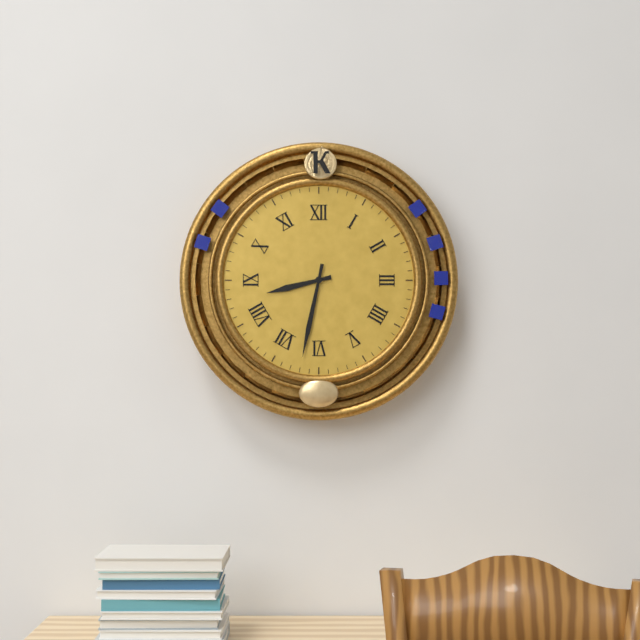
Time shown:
{"hour": 8, "minute": 32}
